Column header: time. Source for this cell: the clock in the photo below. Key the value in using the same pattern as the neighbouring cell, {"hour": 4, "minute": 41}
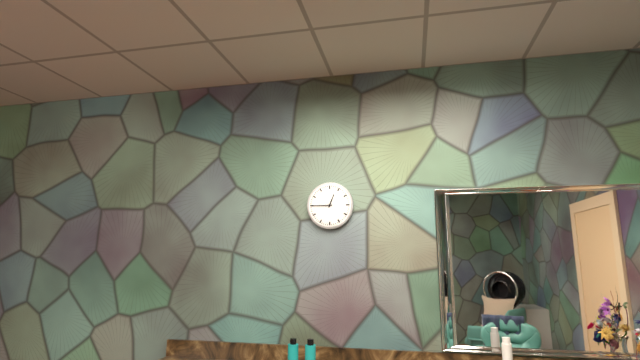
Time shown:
{"hour": 12, "minute": 45}
